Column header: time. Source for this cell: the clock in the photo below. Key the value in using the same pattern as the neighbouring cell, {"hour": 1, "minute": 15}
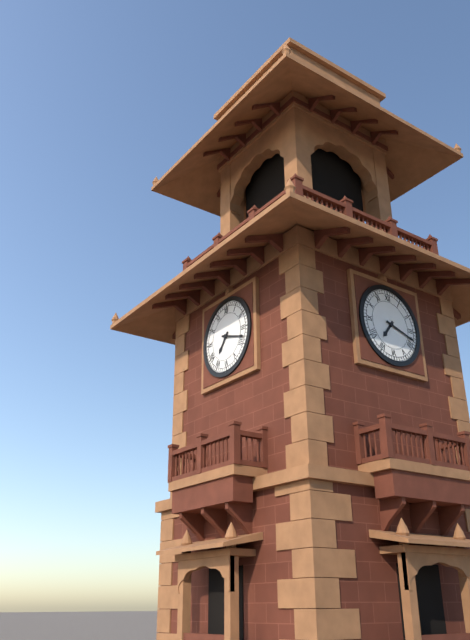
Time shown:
{"hour": 7, "minute": 18}
